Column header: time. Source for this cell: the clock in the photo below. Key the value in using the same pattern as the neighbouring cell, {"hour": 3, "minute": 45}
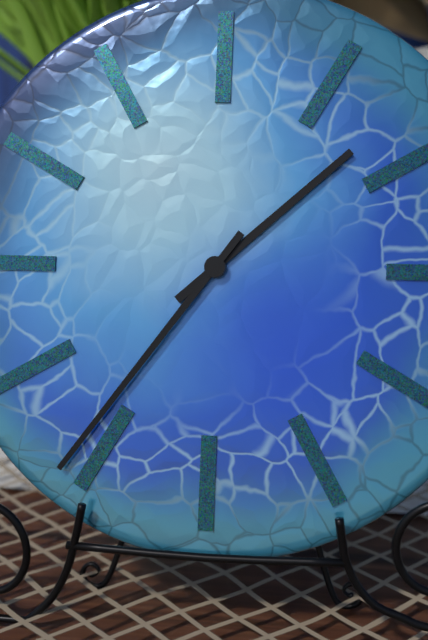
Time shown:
{"hour": 1, "minute": 36}
